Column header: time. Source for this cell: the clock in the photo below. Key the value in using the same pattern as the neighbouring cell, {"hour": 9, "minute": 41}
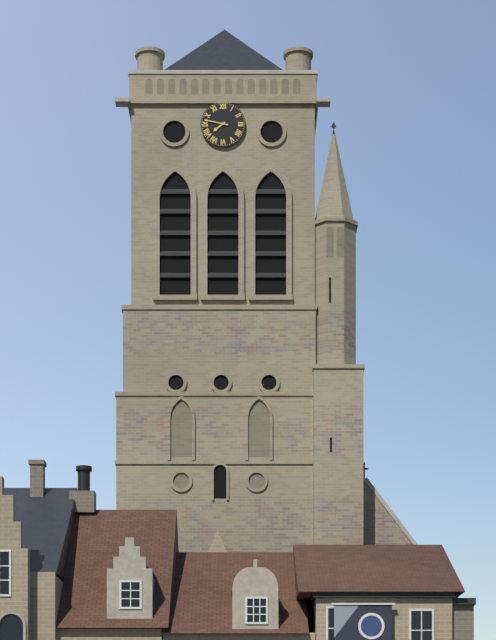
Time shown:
{"hour": 7, "minute": 47}
